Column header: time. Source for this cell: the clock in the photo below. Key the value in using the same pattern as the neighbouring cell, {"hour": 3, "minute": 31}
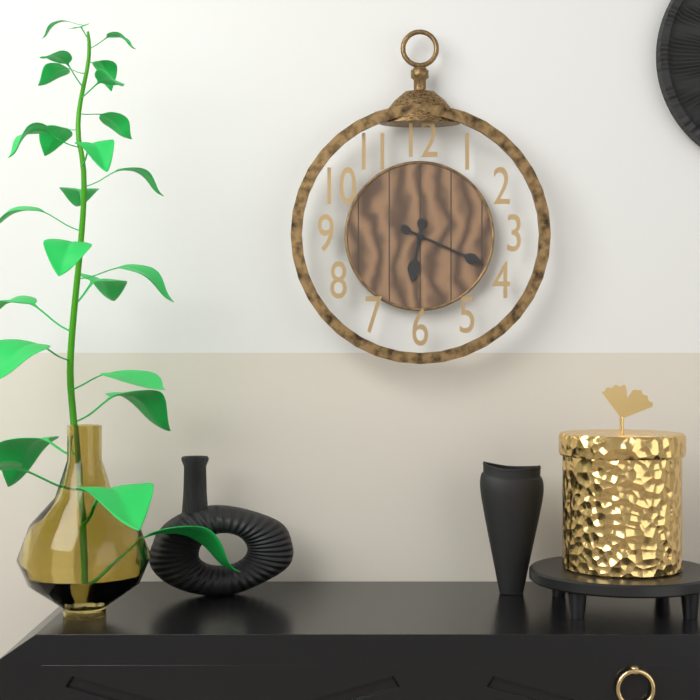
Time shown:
{"hour": 6, "minute": 19}
